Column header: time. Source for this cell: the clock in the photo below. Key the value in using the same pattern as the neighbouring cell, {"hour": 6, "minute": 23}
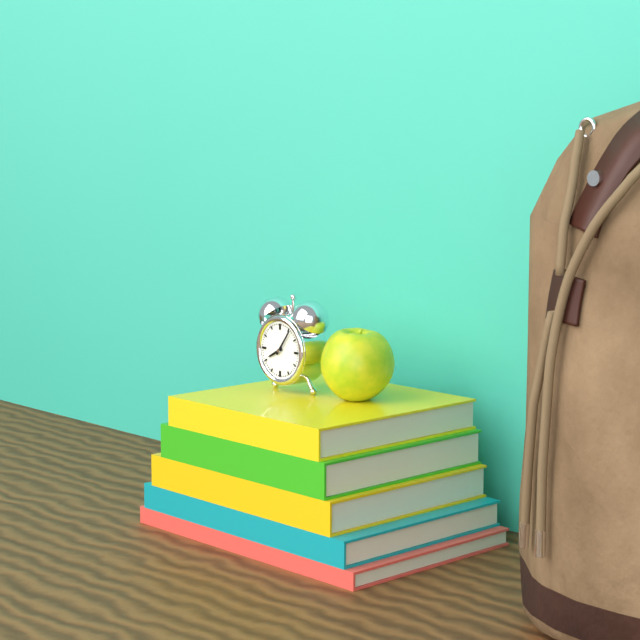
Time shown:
{"hour": 8, "minute": 6}
